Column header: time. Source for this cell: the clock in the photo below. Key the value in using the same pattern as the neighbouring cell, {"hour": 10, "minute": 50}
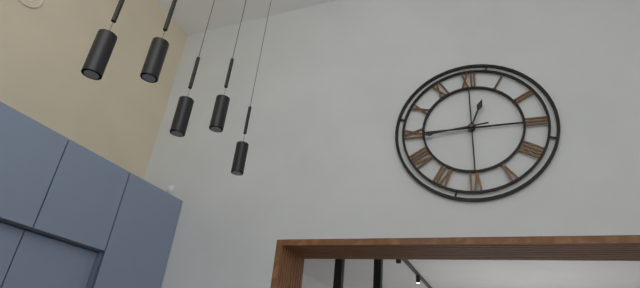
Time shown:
{"hour": 12, "minute": 44}
